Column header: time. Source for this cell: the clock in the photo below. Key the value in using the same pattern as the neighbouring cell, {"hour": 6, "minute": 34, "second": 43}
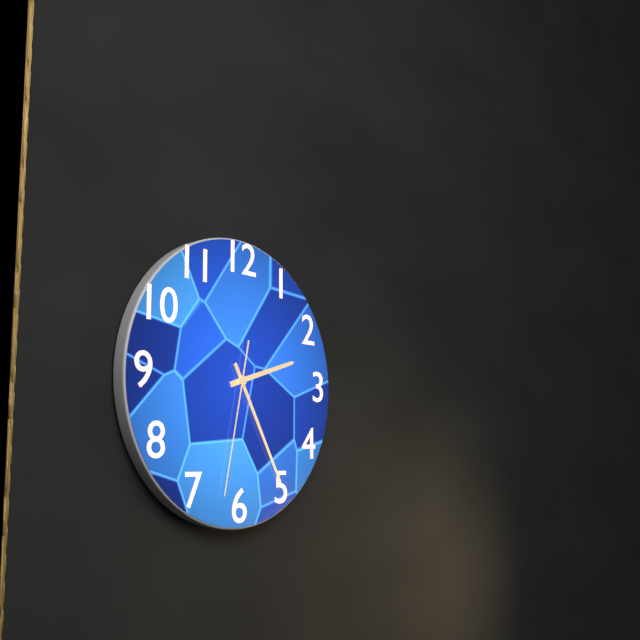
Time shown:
{"hour": 2, "minute": 25, "second": 32}
